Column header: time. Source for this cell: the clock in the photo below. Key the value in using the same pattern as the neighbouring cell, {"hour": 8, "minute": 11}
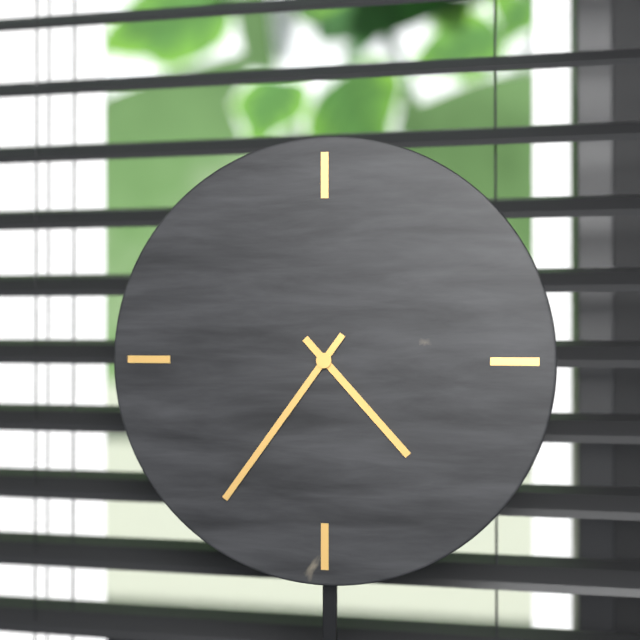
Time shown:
{"hour": 4, "minute": 36}
